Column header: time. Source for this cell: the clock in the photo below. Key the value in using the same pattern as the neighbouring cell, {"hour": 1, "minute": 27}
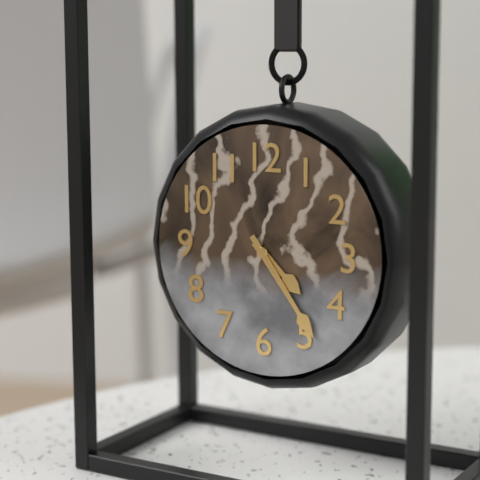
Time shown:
{"hour": 4, "minute": 24}
